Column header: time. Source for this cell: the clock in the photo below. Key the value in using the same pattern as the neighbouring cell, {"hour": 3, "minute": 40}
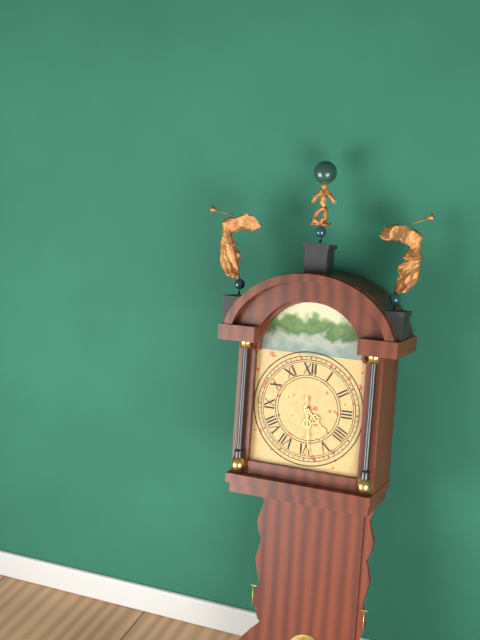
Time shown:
{"hour": 4, "minute": 29}
